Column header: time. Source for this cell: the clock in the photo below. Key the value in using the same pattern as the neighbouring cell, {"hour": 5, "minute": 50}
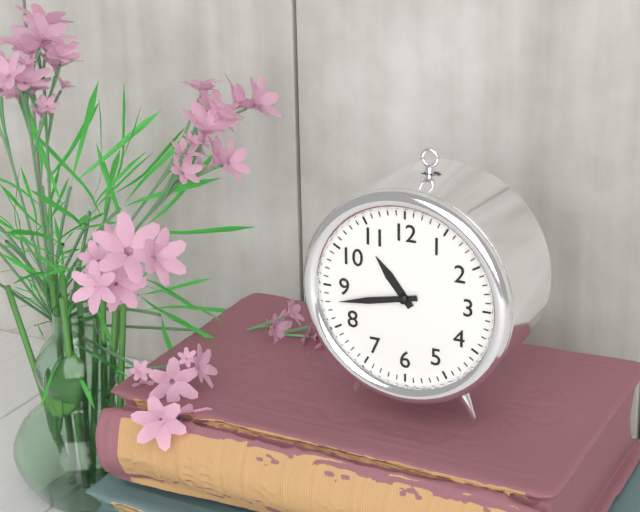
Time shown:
{"hour": 10, "minute": 43}
